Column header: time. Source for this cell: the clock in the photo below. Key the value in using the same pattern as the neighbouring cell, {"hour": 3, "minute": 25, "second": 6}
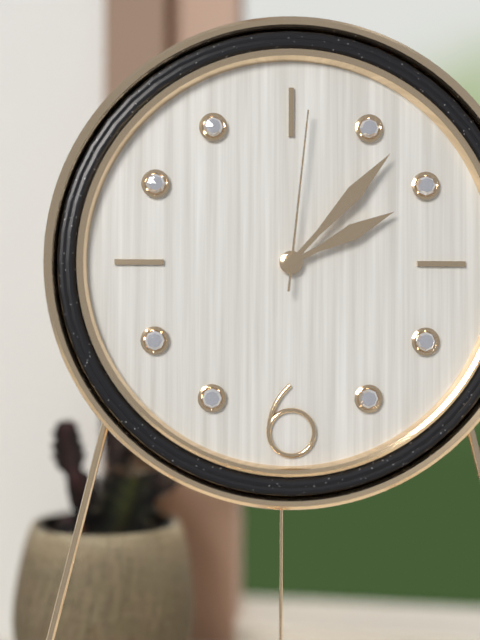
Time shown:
{"hour": 2, "minute": 7, "second": 1}
